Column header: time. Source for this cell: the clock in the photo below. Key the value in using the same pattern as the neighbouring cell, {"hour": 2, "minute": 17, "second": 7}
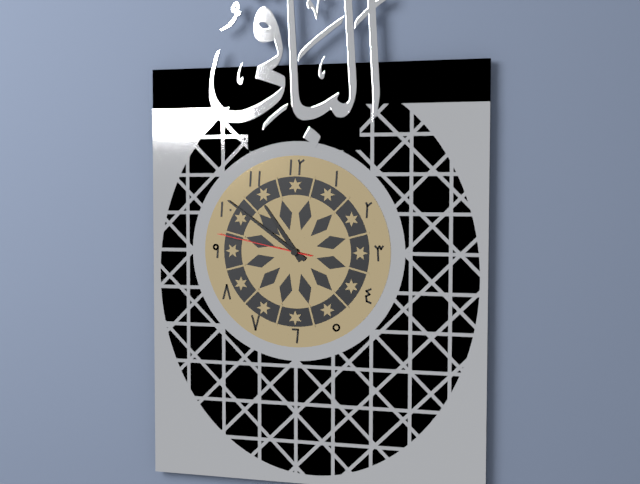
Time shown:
{"hour": 10, "minute": 51, "second": 47}
